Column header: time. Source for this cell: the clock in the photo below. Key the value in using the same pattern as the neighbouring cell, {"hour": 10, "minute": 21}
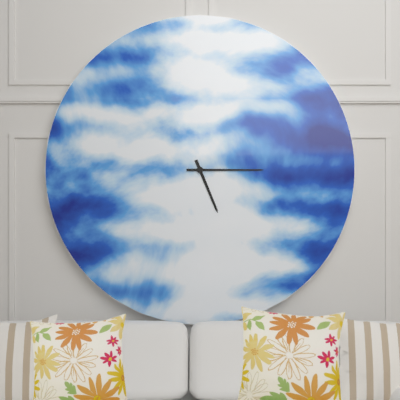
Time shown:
{"hour": 5, "minute": 15}
